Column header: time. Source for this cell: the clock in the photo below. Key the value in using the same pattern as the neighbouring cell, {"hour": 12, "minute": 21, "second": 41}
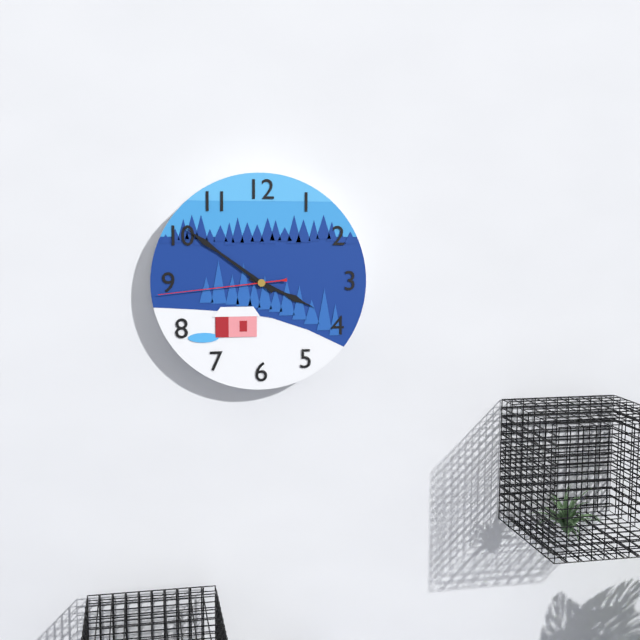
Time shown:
{"hour": 3, "minute": 51, "second": 44}
